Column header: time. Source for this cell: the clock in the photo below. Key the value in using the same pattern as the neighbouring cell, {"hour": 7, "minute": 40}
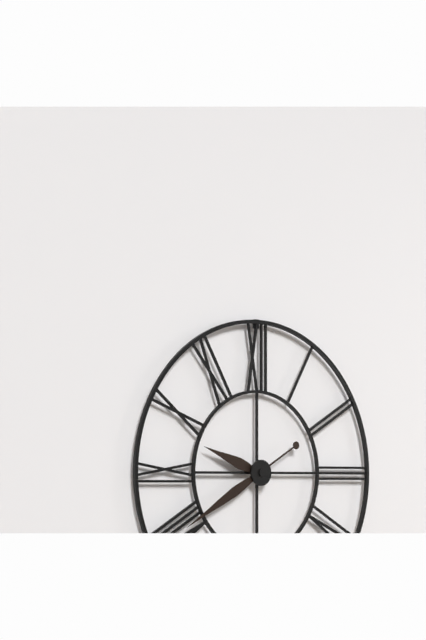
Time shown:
{"hour": 9, "minute": 40}
